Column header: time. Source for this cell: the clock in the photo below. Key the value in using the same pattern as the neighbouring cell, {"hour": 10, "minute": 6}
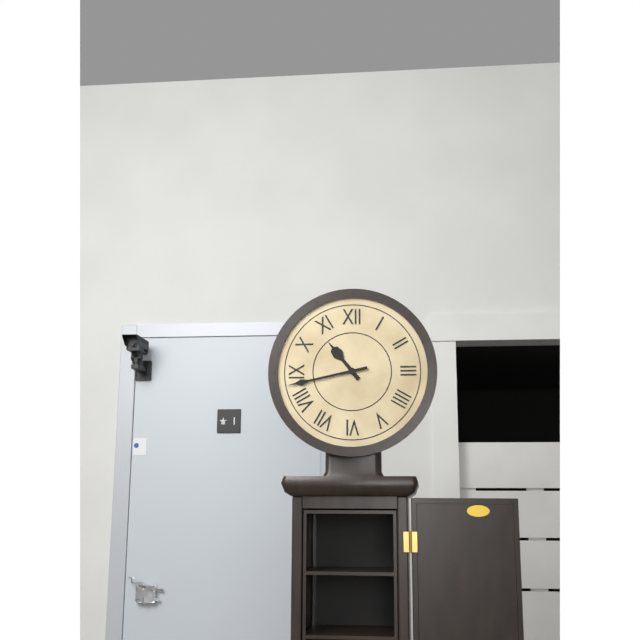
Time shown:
{"hour": 10, "minute": 43}
